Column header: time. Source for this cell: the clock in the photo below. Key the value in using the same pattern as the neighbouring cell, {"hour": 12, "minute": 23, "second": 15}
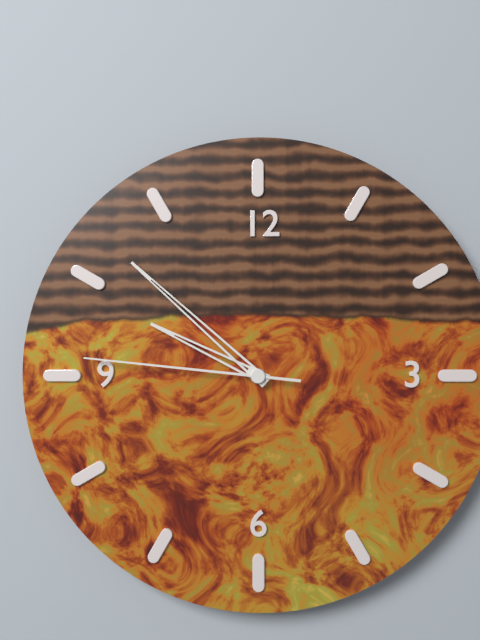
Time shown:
{"hour": 9, "minute": 52, "second": 46}
